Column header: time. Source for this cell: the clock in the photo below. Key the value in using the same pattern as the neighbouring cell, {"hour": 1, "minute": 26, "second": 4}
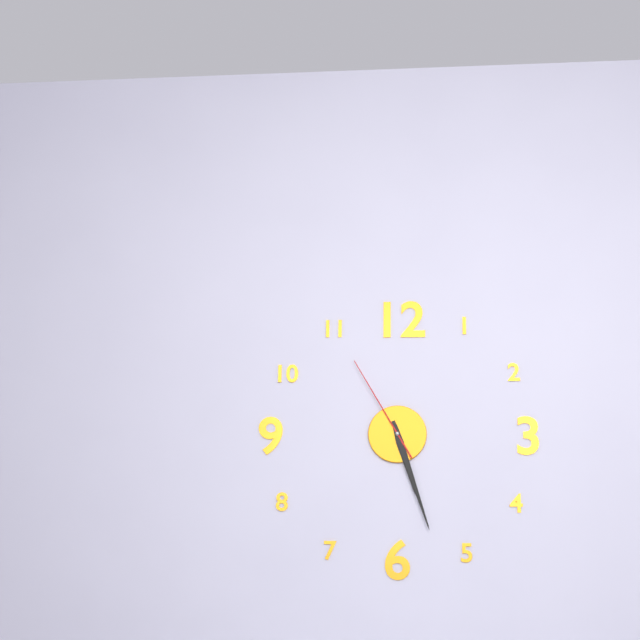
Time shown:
{"hour": 5, "minute": 27, "second": 55}
